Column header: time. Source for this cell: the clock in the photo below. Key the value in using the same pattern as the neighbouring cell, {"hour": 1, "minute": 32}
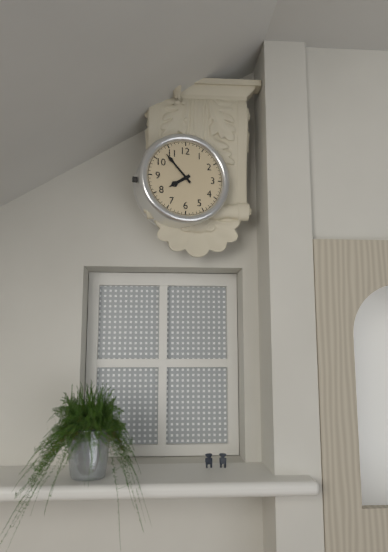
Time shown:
{"hour": 7, "minute": 53}
